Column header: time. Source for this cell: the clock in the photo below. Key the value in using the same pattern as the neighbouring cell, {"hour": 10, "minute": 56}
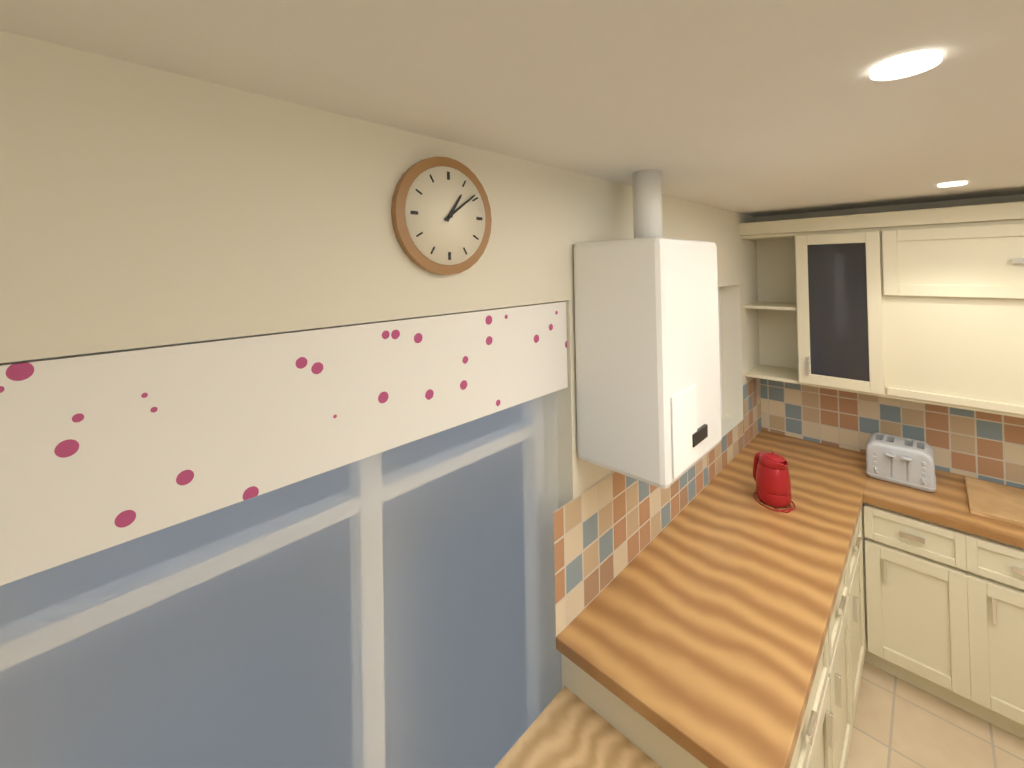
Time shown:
{"hour": 1, "minute": 9}
